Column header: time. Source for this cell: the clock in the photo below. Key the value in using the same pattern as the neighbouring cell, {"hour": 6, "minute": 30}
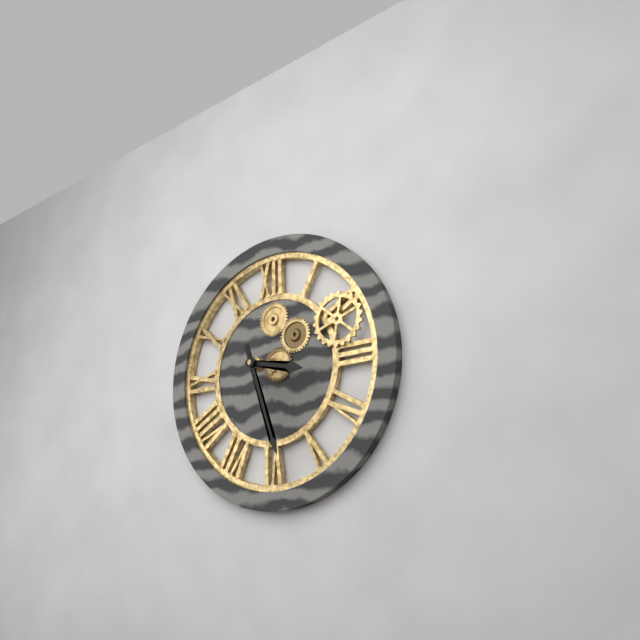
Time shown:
{"hour": 3, "minute": 27}
